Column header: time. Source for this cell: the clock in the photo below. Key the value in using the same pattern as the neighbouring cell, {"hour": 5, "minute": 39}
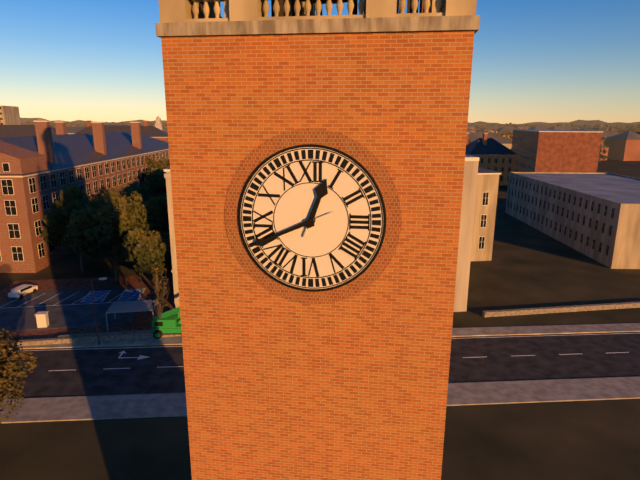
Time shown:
{"hour": 12, "minute": 41}
